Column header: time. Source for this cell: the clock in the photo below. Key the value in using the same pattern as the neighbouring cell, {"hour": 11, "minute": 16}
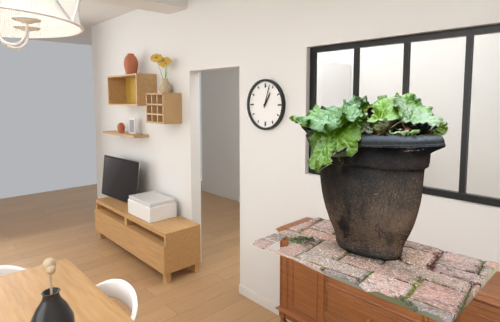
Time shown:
{"hour": 1, "minute": 3}
